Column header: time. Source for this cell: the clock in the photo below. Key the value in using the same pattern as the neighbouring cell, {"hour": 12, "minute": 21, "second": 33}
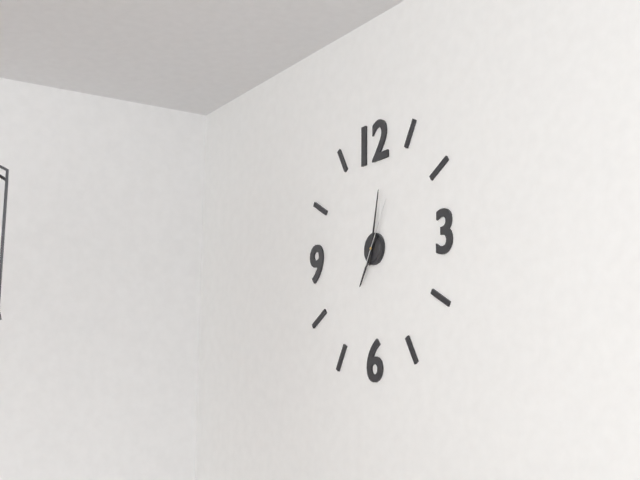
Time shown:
{"hour": 7, "minute": 2, "second": 5}
